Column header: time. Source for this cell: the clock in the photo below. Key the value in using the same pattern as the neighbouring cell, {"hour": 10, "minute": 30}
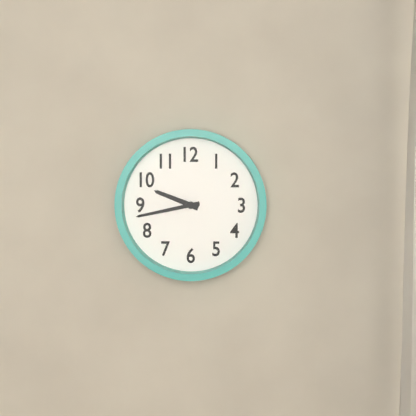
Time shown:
{"hour": 9, "minute": 43}
